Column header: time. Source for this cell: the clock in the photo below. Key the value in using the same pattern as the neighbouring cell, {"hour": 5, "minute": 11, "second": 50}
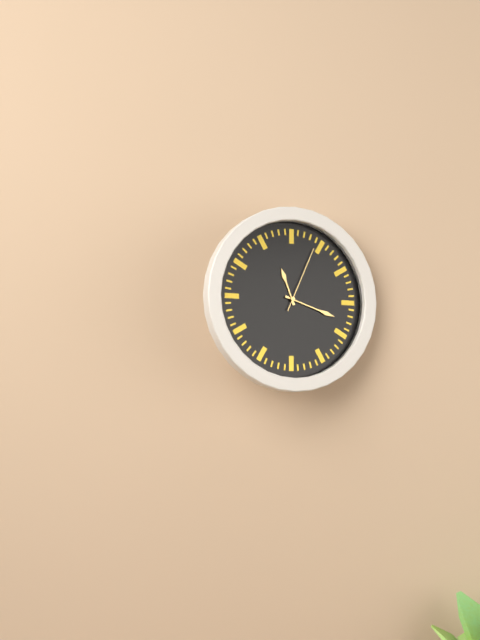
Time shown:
{"hour": 11, "minute": 18, "second": 4}
